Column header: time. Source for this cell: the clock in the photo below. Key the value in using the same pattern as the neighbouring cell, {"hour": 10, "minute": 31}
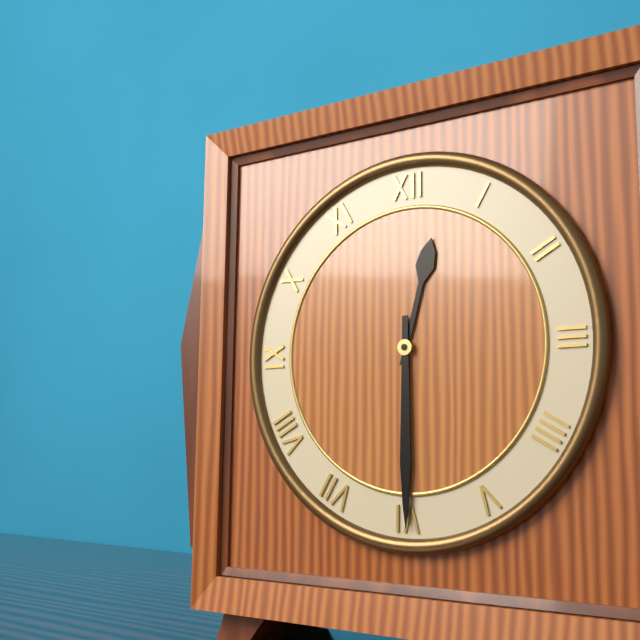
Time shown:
{"hour": 12, "minute": 30}
